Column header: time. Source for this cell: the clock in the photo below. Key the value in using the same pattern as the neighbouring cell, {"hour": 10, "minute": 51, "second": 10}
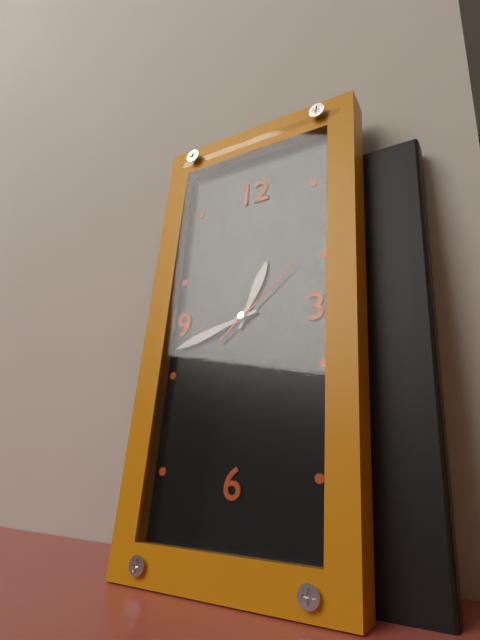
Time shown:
{"hour": 12, "minute": 42, "second": 8}
